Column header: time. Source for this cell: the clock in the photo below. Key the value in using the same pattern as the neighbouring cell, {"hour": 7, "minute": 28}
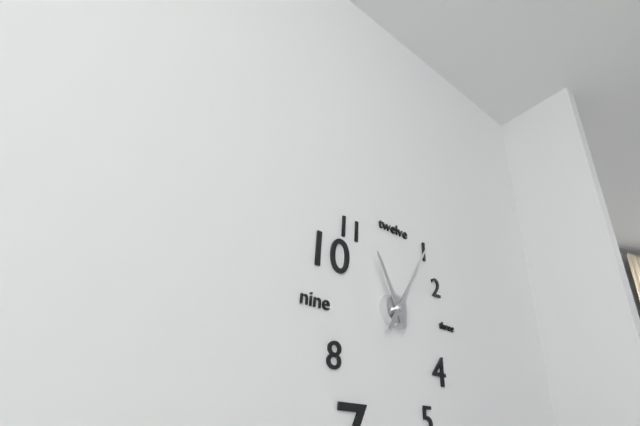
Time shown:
{"hour": 11, "minute": 5}
